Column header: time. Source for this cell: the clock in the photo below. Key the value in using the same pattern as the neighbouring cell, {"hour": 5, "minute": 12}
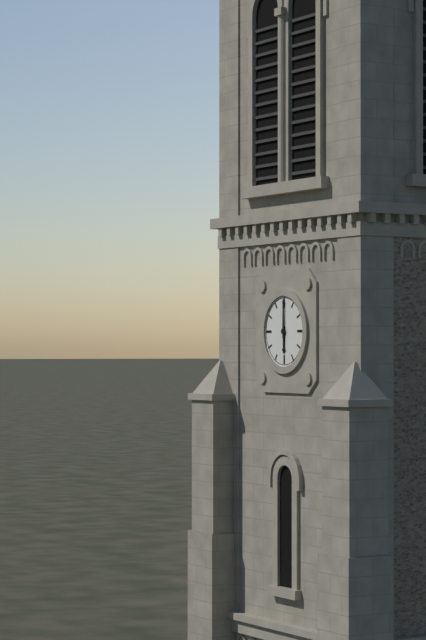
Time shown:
{"hour": 6, "minute": 0}
